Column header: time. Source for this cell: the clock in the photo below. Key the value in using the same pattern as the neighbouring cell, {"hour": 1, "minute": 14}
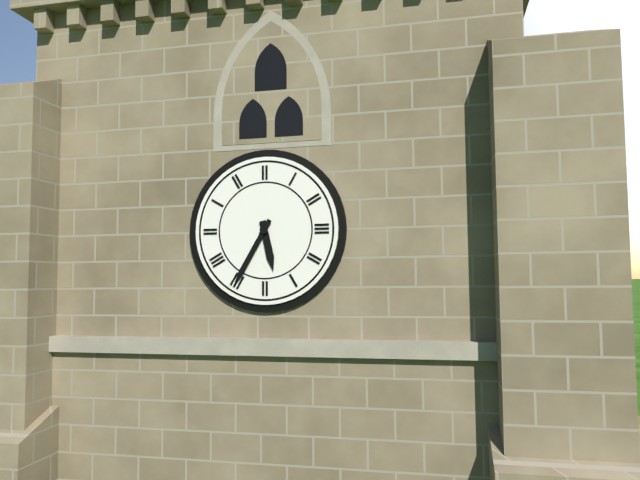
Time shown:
{"hour": 5, "minute": 35}
